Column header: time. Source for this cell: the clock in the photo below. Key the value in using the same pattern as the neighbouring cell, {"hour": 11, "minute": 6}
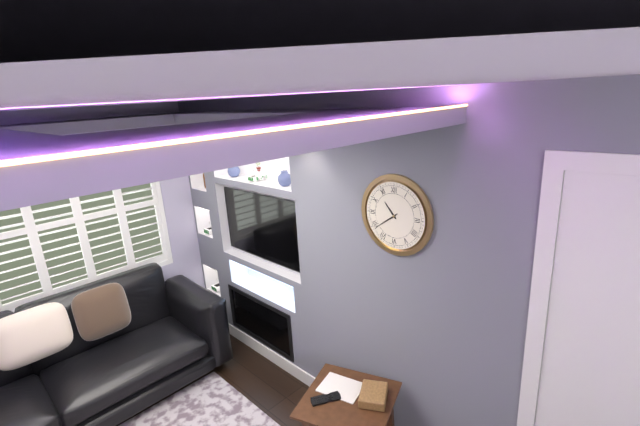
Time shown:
{"hour": 10, "minute": 39}
